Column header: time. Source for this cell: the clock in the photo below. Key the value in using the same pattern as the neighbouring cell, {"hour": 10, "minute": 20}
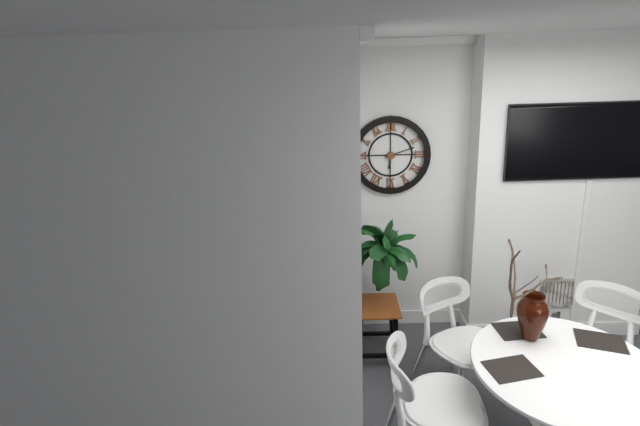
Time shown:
{"hour": 6, "minute": 12}
